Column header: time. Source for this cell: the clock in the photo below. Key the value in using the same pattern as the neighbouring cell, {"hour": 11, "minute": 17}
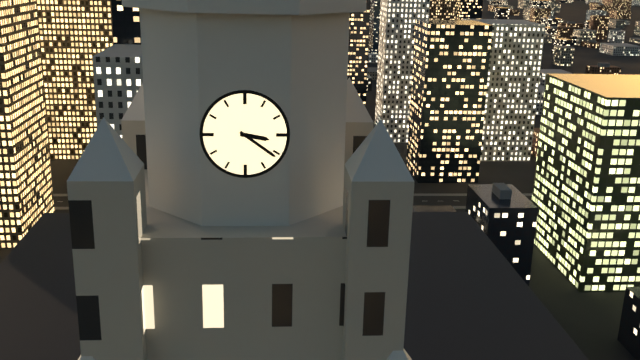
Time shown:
{"hour": 3, "minute": 21}
